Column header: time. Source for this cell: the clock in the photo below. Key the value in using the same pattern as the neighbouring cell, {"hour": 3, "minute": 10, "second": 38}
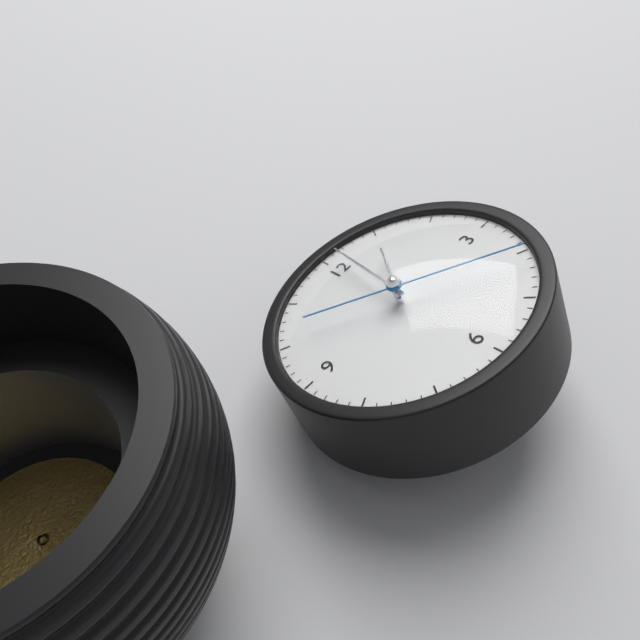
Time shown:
{"hour": 1, "minute": 1, "second": 21}
